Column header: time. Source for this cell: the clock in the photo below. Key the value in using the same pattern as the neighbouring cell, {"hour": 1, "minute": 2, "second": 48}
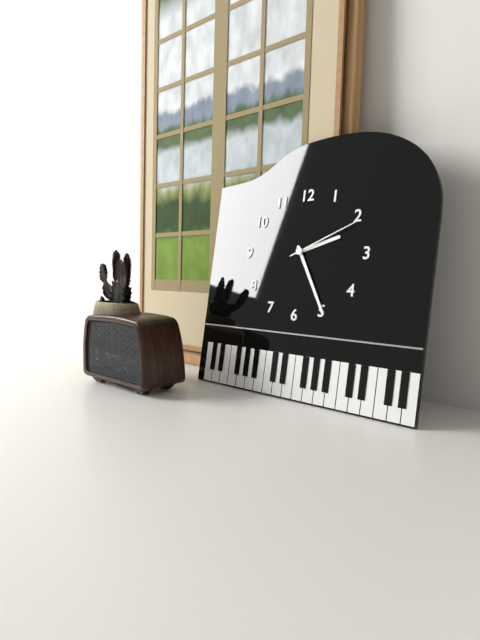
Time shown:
{"hour": 2, "minute": 25, "second": 11}
